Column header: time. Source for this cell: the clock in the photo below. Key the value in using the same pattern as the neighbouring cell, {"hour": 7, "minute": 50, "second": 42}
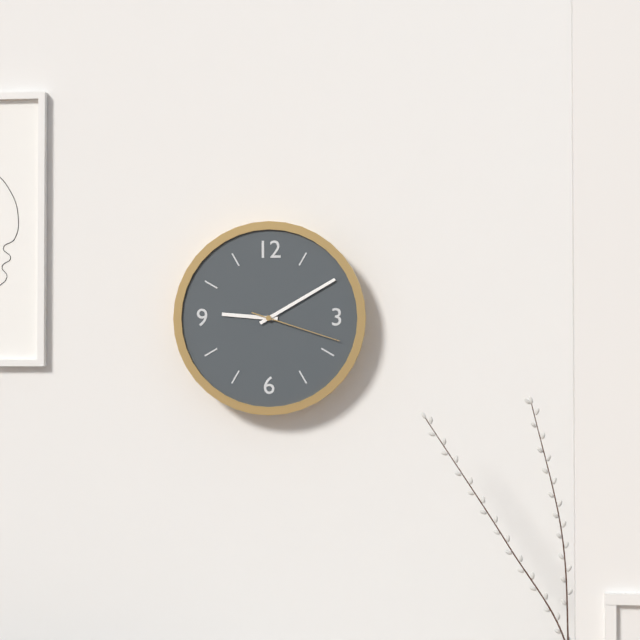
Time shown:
{"hour": 9, "minute": 10, "second": 18}
